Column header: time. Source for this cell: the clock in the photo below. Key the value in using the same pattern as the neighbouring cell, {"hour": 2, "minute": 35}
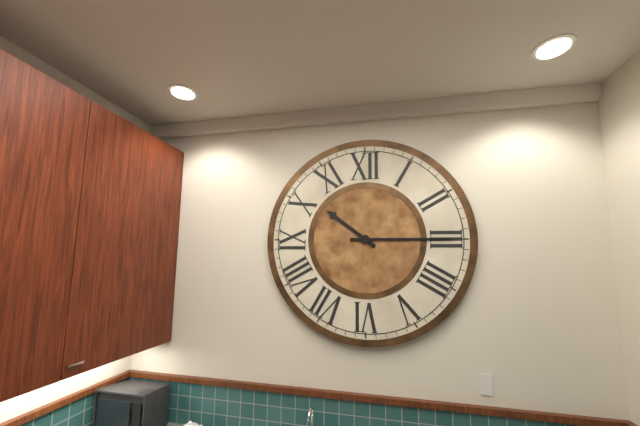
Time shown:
{"hour": 10, "minute": 15}
